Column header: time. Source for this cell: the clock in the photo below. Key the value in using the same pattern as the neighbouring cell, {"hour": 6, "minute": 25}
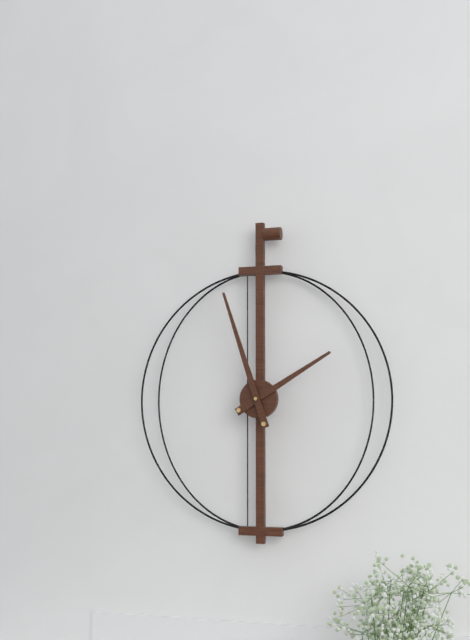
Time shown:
{"hour": 1, "minute": 57}
